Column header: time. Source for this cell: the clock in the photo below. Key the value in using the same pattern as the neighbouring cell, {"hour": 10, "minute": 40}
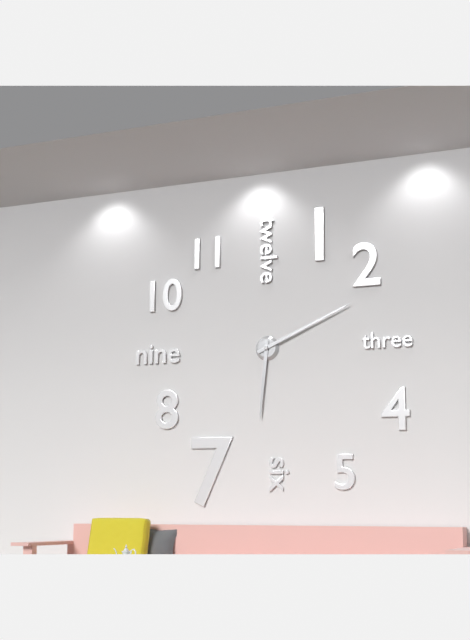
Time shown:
{"hour": 6, "minute": 11}
